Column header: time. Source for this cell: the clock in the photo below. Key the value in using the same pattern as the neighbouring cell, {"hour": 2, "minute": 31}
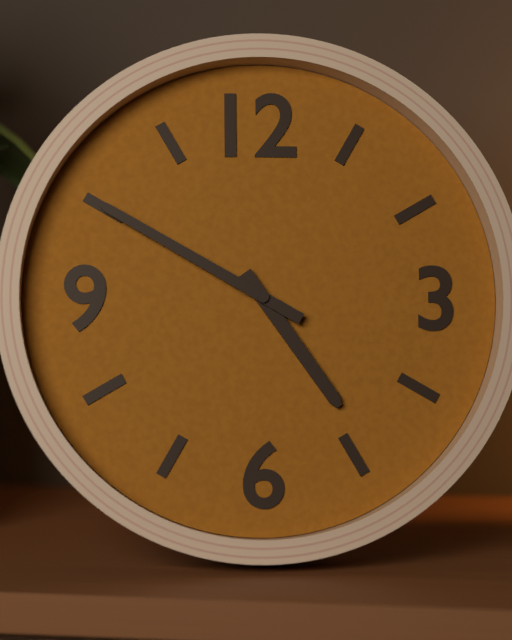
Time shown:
{"hour": 4, "minute": 50}
